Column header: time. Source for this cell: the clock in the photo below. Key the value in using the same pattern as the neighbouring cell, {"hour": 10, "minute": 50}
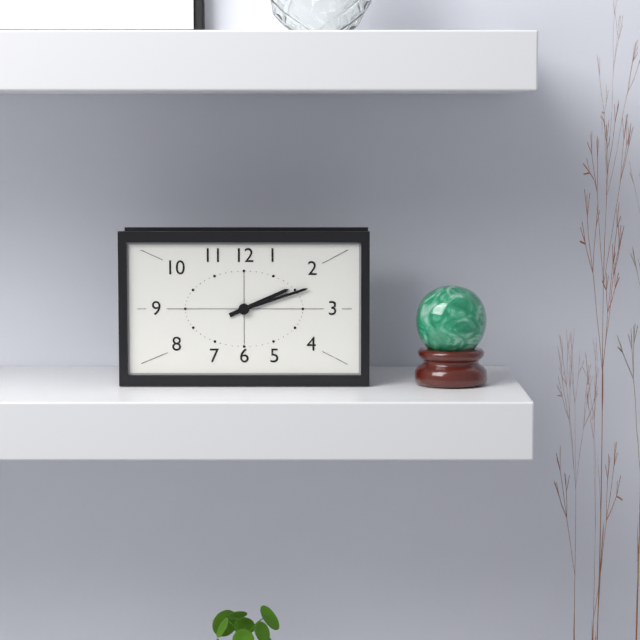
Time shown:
{"hour": 2, "minute": 12}
